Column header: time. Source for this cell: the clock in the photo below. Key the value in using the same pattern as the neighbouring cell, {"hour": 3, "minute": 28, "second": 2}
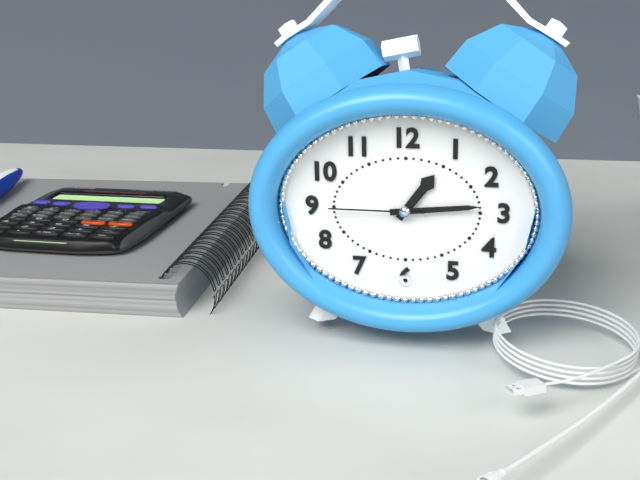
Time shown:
{"hour": 1, "minute": 14, "second": 45}
